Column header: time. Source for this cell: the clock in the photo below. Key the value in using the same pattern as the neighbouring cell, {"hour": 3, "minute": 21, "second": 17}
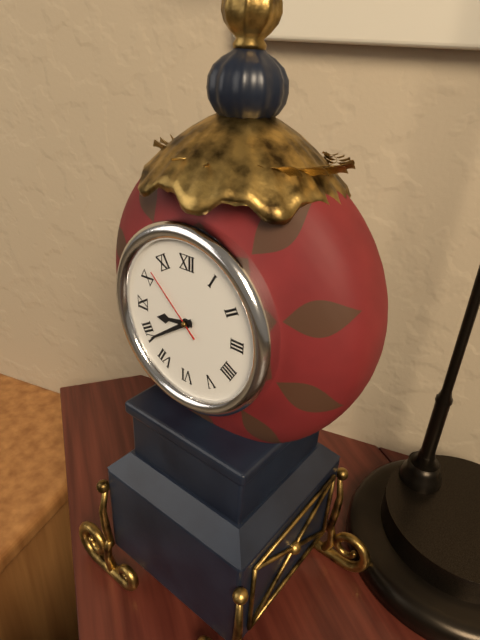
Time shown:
{"hour": 8, "minute": 39, "second": 52}
